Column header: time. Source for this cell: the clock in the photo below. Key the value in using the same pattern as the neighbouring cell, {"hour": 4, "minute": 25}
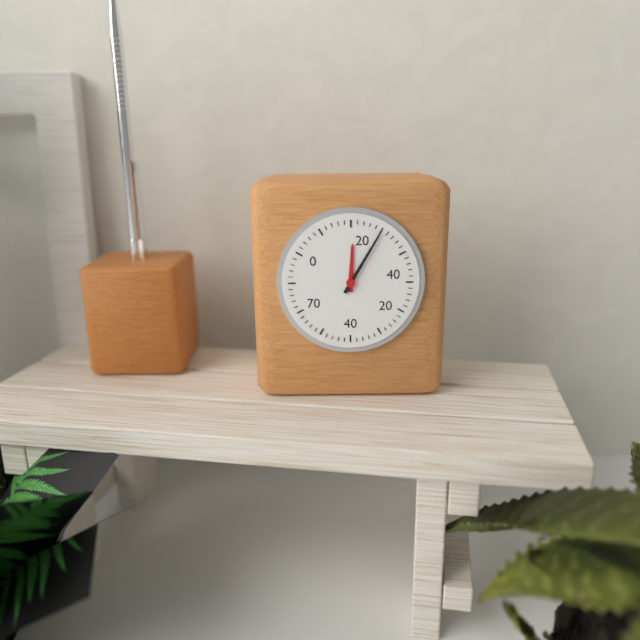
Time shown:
{"hour": 12, "minute": 5}
